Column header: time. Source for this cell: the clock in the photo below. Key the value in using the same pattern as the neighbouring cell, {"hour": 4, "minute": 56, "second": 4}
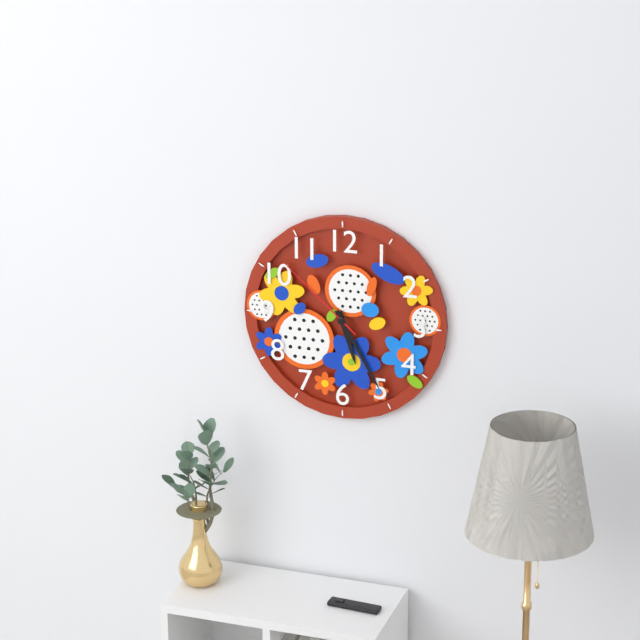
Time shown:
{"hour": 5, "minute": 25, "second": 52}
